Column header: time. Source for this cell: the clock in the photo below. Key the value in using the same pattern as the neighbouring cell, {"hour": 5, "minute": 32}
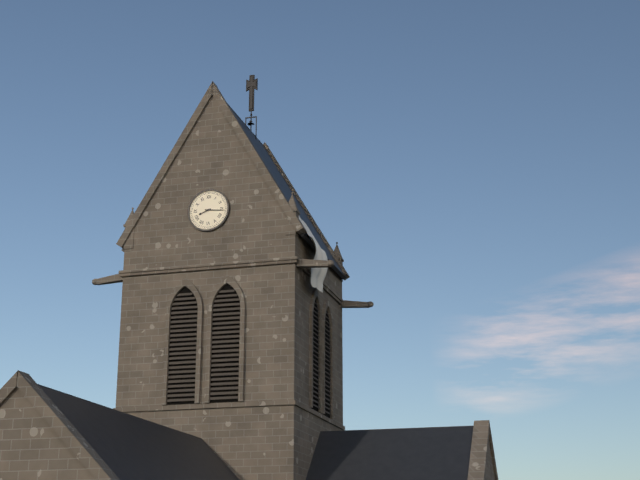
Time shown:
{"hour": 8, "minute": 16}
